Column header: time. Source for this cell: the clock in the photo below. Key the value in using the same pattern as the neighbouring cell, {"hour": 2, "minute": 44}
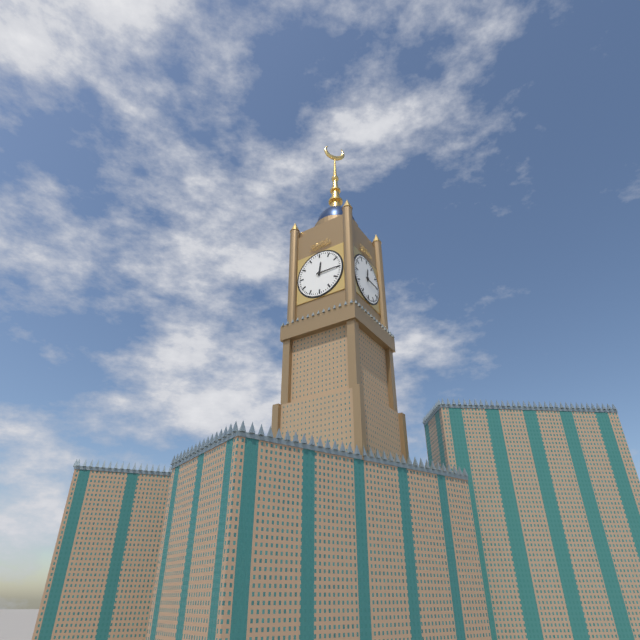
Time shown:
{"hour": 12, "minute": 15}
